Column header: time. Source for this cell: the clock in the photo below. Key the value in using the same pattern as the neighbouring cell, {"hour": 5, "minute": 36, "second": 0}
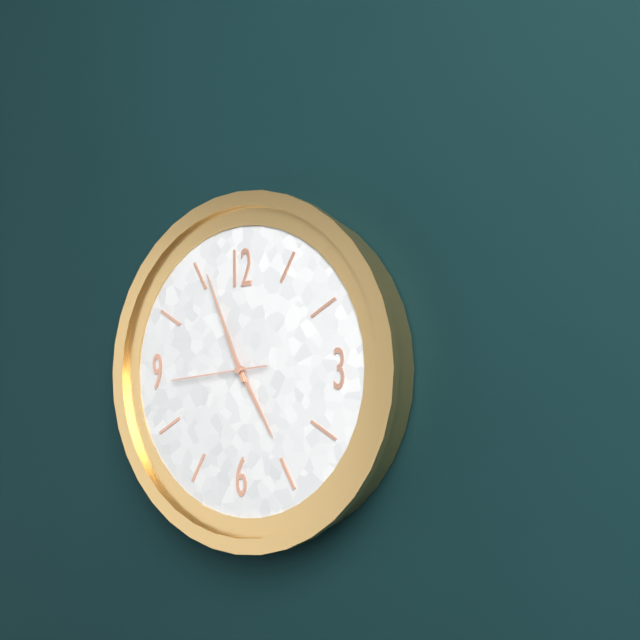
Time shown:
{"hour": 4, "minute": 56, "second": 44}
